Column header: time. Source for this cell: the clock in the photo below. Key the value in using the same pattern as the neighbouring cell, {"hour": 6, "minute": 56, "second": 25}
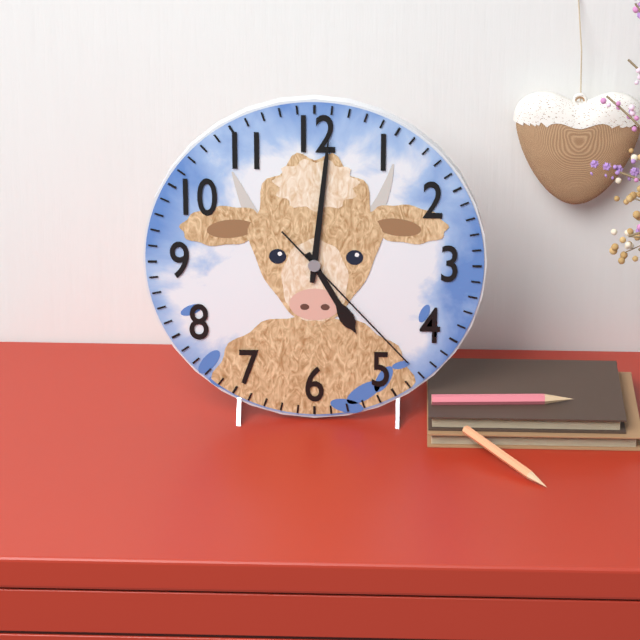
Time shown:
{"hour": 5, "minute": 1, "second": 23}
